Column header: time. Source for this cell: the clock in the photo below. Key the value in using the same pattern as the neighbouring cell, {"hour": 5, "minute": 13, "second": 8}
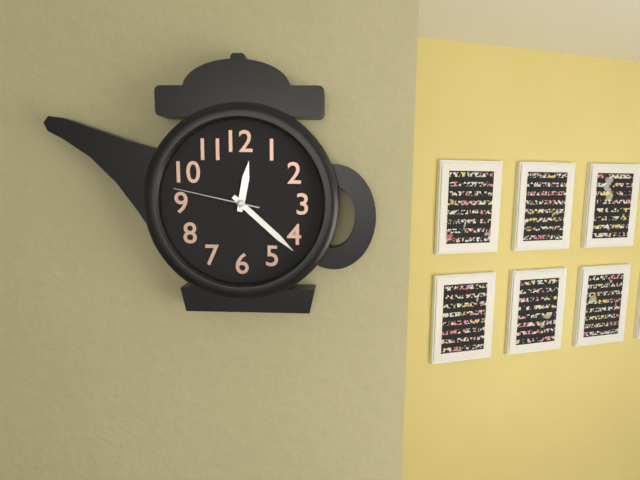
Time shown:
{"hour": 12, "minute": 22, "second": 47}
